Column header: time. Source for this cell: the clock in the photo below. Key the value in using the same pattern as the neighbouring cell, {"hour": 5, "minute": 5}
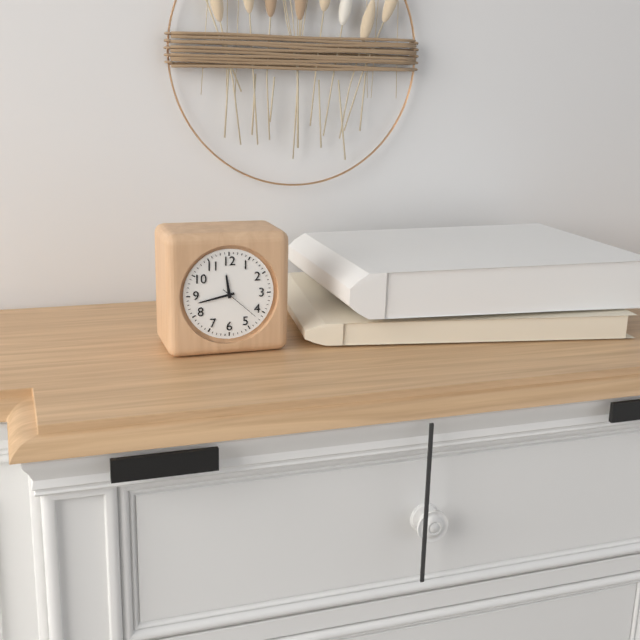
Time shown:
{"hour": 11, "minute": 43}
